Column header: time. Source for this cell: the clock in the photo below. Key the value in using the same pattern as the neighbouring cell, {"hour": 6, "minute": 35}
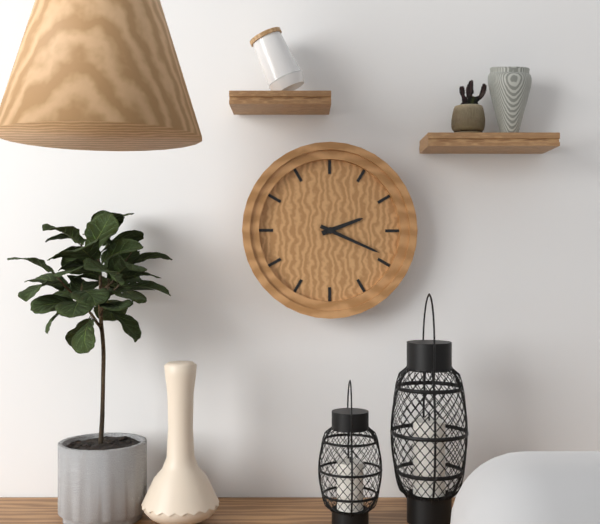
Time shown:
{"hour": 2, "minute": 19}
